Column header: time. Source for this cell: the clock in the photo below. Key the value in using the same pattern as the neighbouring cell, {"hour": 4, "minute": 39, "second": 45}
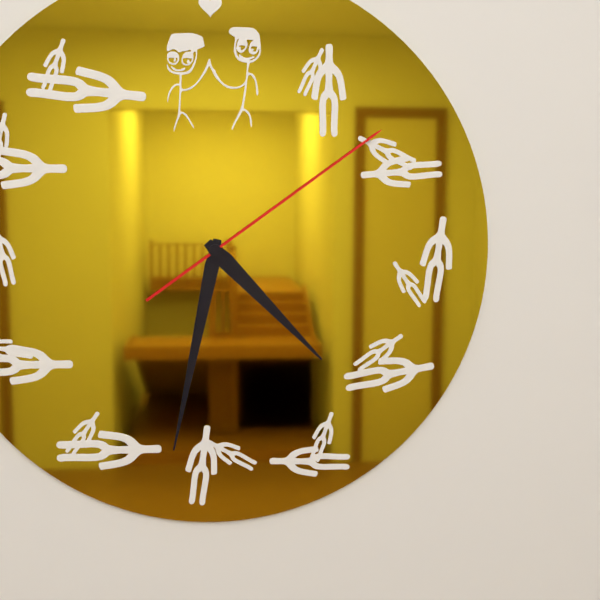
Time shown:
{"hour": 4, "minute": 32, "second": 9}
